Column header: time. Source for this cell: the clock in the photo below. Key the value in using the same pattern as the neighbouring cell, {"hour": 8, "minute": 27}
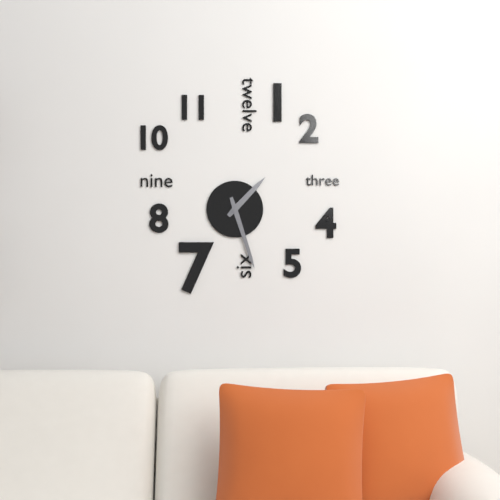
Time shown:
{"hour": 1, "minute": 27}
